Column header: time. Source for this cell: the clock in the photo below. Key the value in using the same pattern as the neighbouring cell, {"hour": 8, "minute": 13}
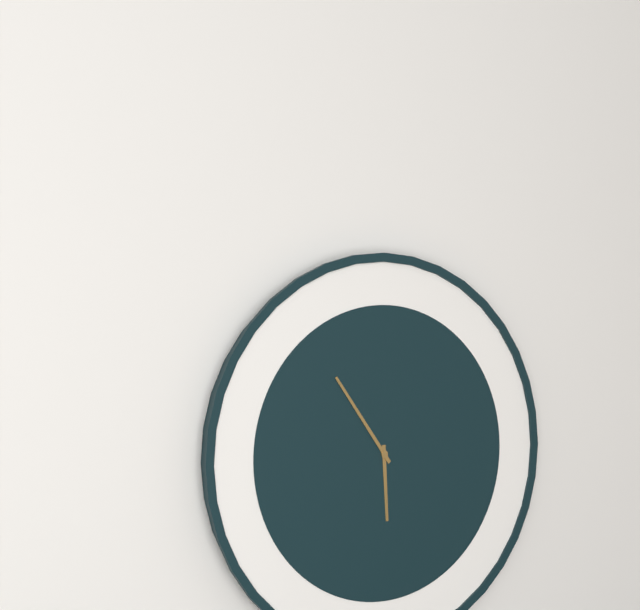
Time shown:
{"hour": 5, "minute": 54}
